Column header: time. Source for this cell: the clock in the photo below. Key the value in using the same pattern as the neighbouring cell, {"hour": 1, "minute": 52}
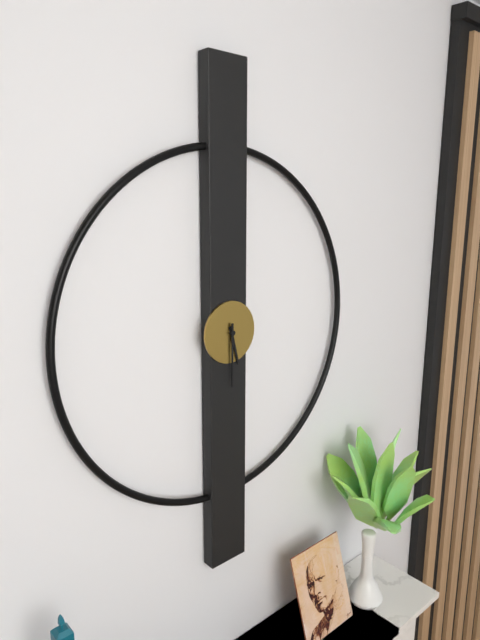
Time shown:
{"hour": 5, "minute": 30}
